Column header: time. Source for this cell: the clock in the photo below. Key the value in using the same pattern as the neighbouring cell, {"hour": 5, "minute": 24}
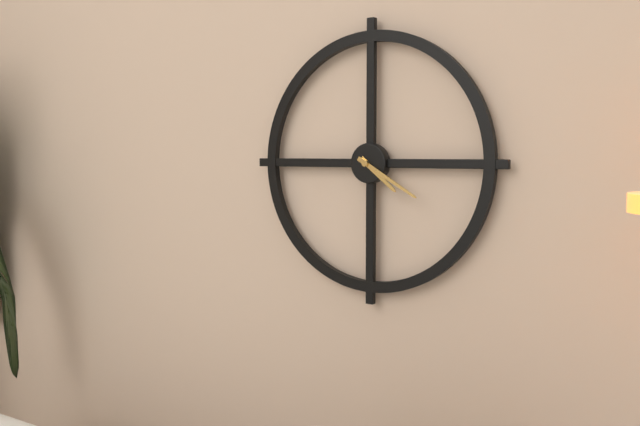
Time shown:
{"hour": 4, "minute": 20}
